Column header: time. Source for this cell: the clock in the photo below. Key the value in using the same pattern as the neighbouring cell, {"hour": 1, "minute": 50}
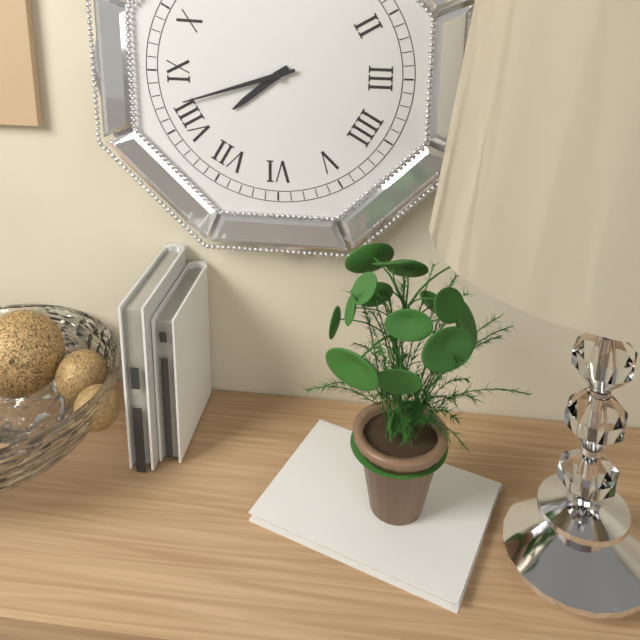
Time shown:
{"hour": 7, "minute": 42}
